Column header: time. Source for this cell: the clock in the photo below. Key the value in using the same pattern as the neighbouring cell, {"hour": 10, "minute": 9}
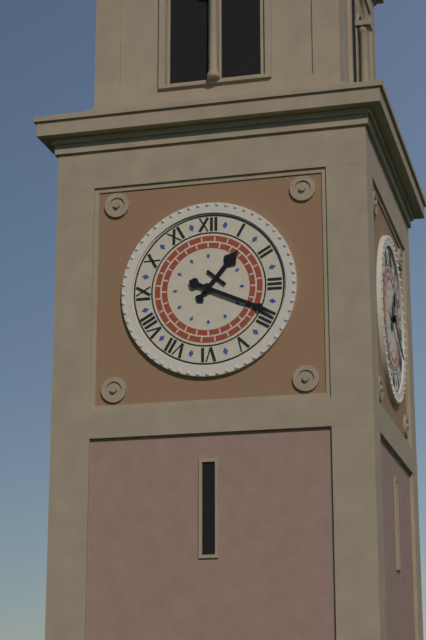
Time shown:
{"hour": 1, "minute": 19}
